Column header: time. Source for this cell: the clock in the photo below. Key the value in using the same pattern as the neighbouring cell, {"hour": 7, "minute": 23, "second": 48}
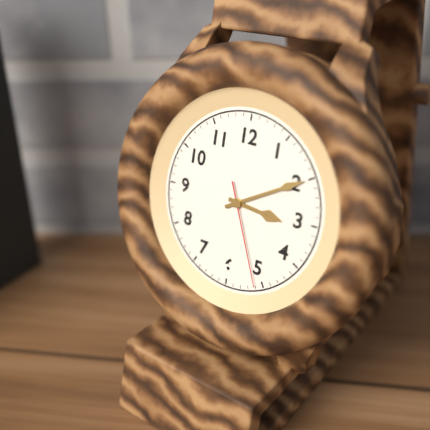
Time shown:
{"hour": 3, "minute": 10, "second": 26}
